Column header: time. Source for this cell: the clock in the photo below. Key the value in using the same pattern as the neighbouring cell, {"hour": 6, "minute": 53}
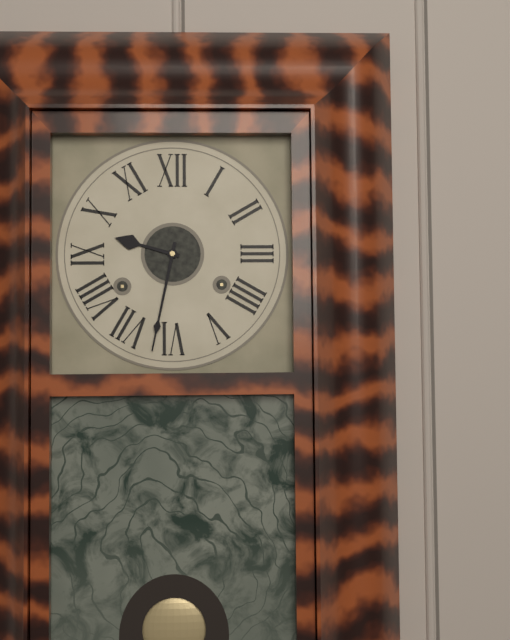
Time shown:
{"hour": 9, "minute": 32}
